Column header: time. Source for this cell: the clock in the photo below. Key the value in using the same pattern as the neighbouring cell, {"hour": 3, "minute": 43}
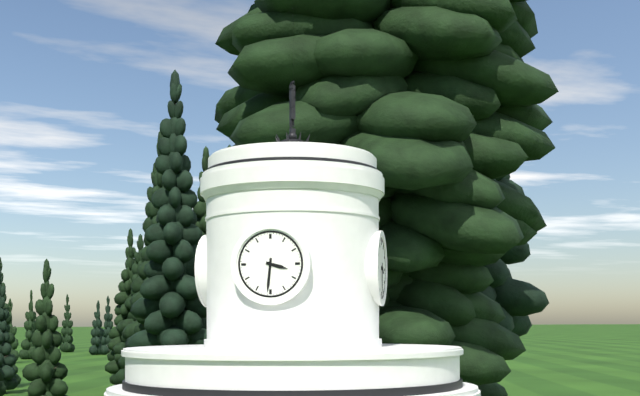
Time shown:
{"hour": 3, "minute": 31}
